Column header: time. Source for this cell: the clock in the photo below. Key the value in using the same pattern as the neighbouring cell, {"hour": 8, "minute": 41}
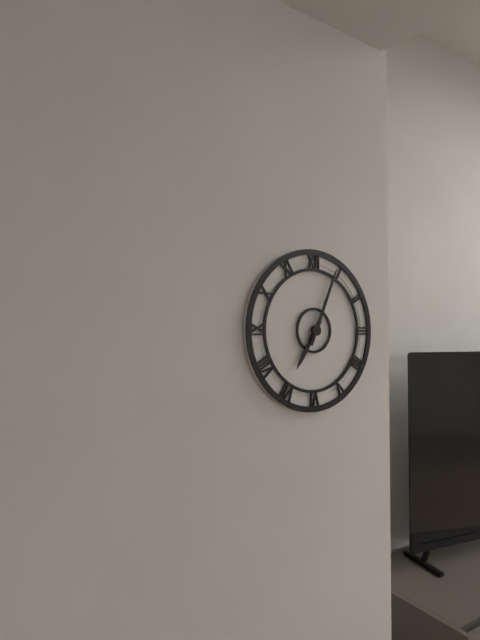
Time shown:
{"hour": 7, "minute": 4}
